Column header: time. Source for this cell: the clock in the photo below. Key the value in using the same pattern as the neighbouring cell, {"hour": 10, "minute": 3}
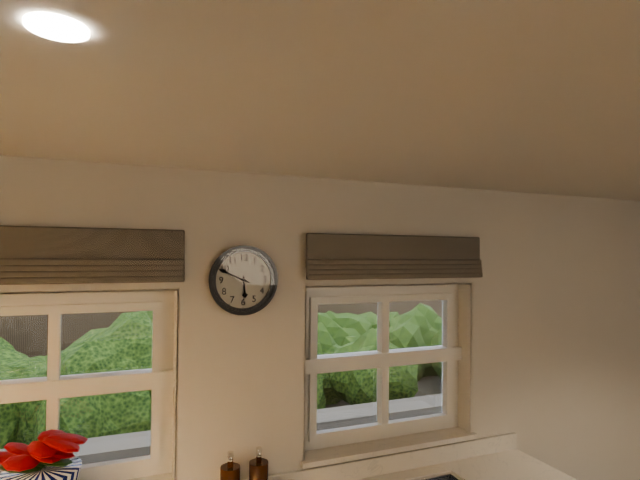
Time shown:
{"hour": 5, "minute": 49}
